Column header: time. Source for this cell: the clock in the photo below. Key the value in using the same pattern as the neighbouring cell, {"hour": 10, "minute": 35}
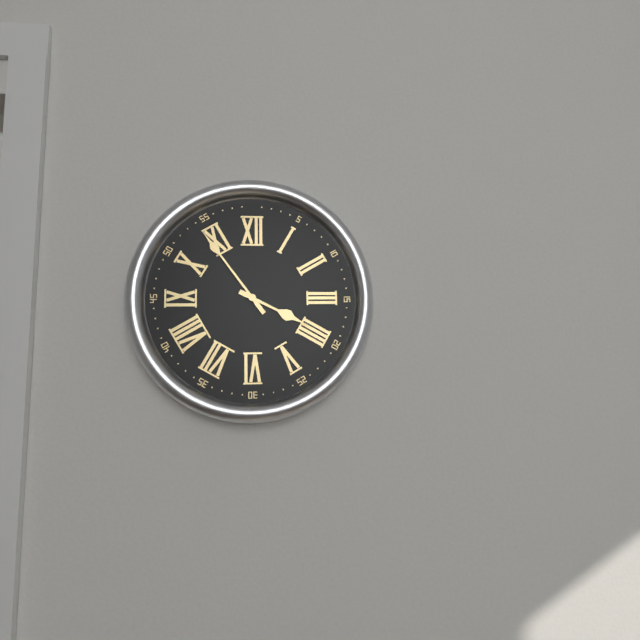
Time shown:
{"hour": 3, "minute": 54}
